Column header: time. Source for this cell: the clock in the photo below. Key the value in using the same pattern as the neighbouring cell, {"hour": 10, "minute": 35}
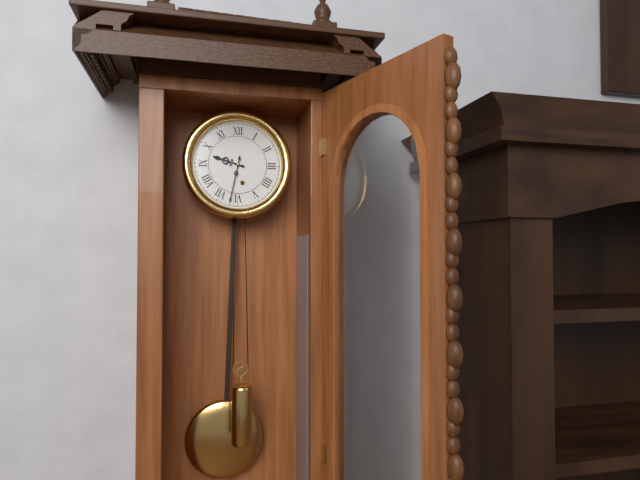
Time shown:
{"hour": 9, "minute": 32}
